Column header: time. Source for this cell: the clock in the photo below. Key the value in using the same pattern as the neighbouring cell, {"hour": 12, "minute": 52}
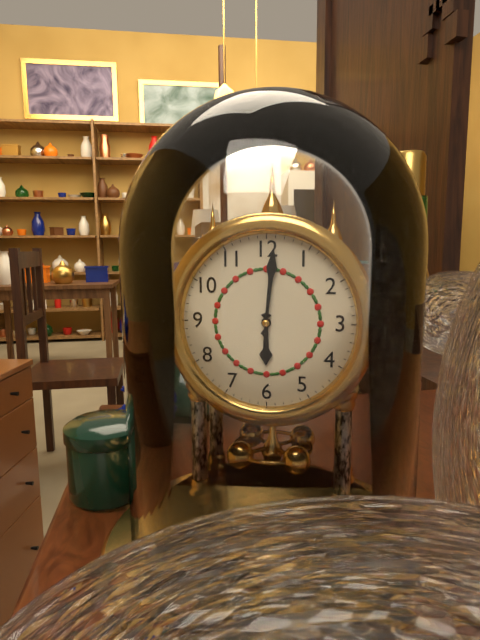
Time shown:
{"hour": 6, "minute": 1}
